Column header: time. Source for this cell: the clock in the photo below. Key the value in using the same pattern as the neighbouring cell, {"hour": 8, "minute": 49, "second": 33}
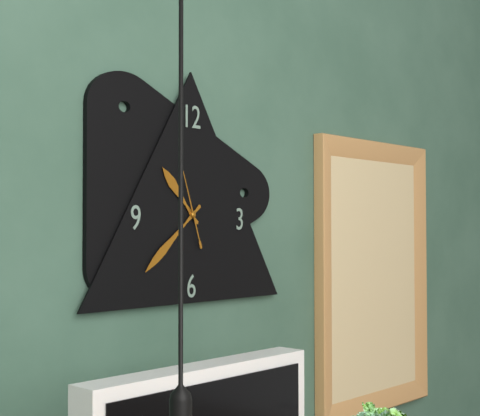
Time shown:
{"hour": 10, "minute": 38, "second": 57}
